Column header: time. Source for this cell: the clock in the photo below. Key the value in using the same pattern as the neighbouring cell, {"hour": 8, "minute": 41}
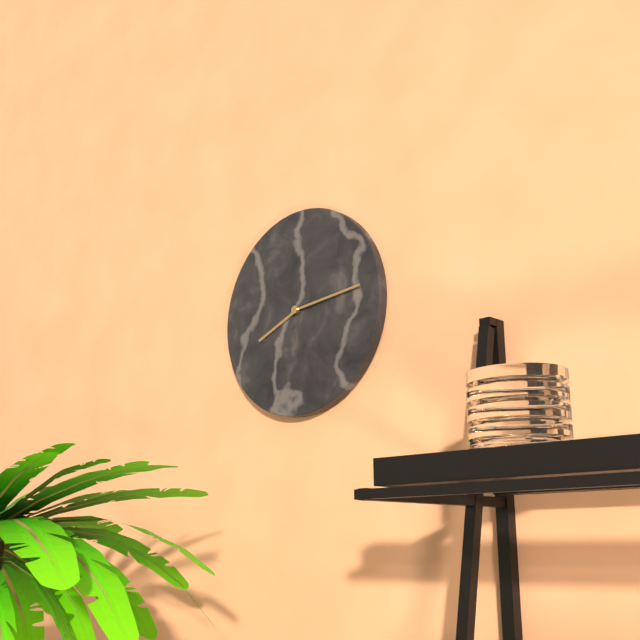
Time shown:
{"hour": 8, "minute": 14}
